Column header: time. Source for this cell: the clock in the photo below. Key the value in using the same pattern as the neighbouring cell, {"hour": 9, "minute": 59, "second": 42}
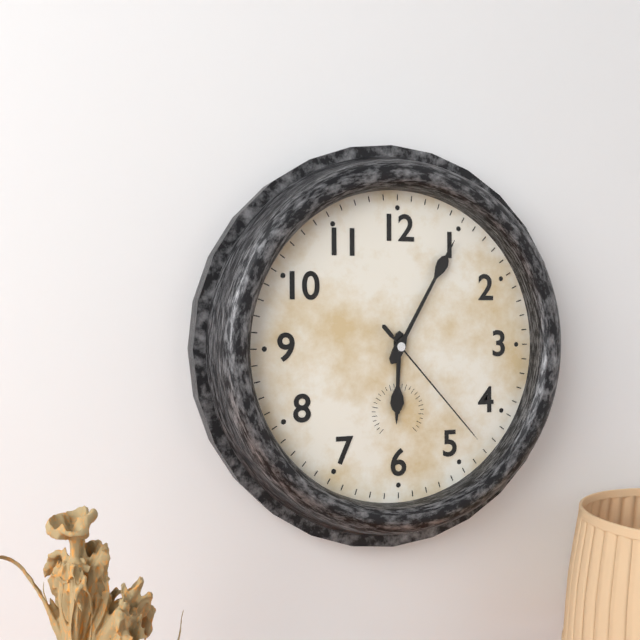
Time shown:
{"hour": 6, "minute": 5, "second": 23}
